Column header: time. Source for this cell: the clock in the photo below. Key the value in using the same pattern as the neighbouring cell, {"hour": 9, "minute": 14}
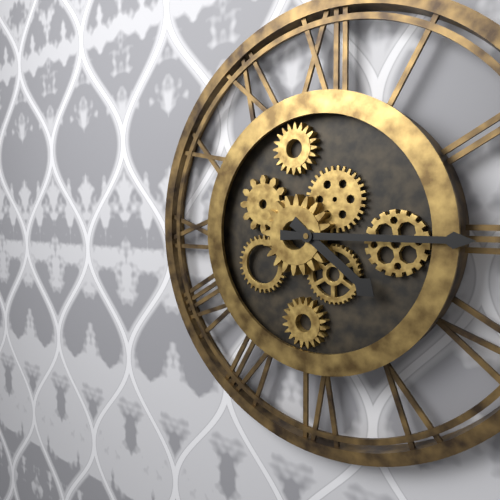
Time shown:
{"hour": 4, "minute": 15}
